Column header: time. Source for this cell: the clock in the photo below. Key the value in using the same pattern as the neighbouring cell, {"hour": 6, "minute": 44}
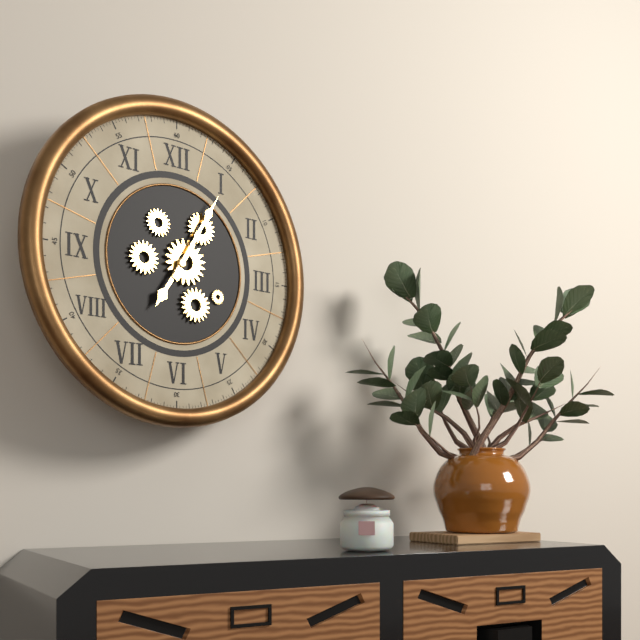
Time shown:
{"hour": 7, "minute": 5}
